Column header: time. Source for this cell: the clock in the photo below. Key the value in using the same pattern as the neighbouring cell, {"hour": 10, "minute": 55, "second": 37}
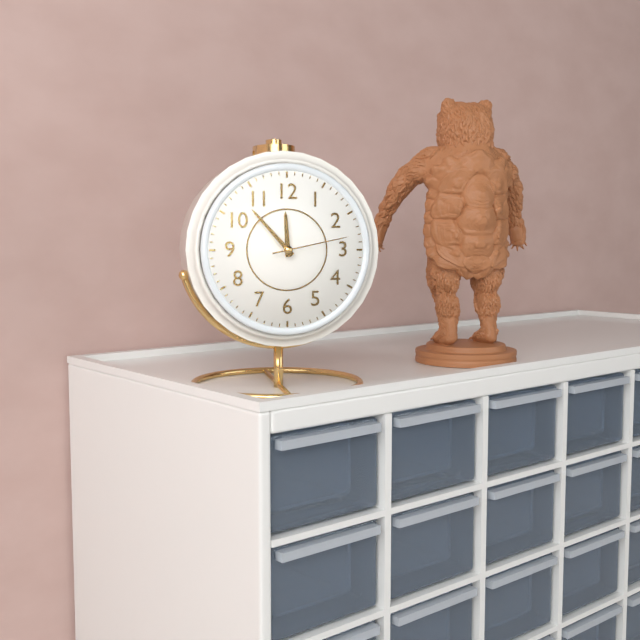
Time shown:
{"hour": 11, "minute": 53, "second": 13}
